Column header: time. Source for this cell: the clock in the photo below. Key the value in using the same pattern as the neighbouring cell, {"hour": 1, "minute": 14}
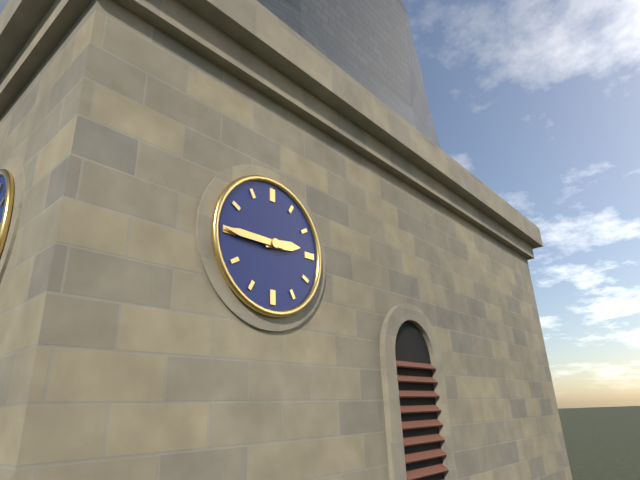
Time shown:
{"hour": 2, "minute": 45}
